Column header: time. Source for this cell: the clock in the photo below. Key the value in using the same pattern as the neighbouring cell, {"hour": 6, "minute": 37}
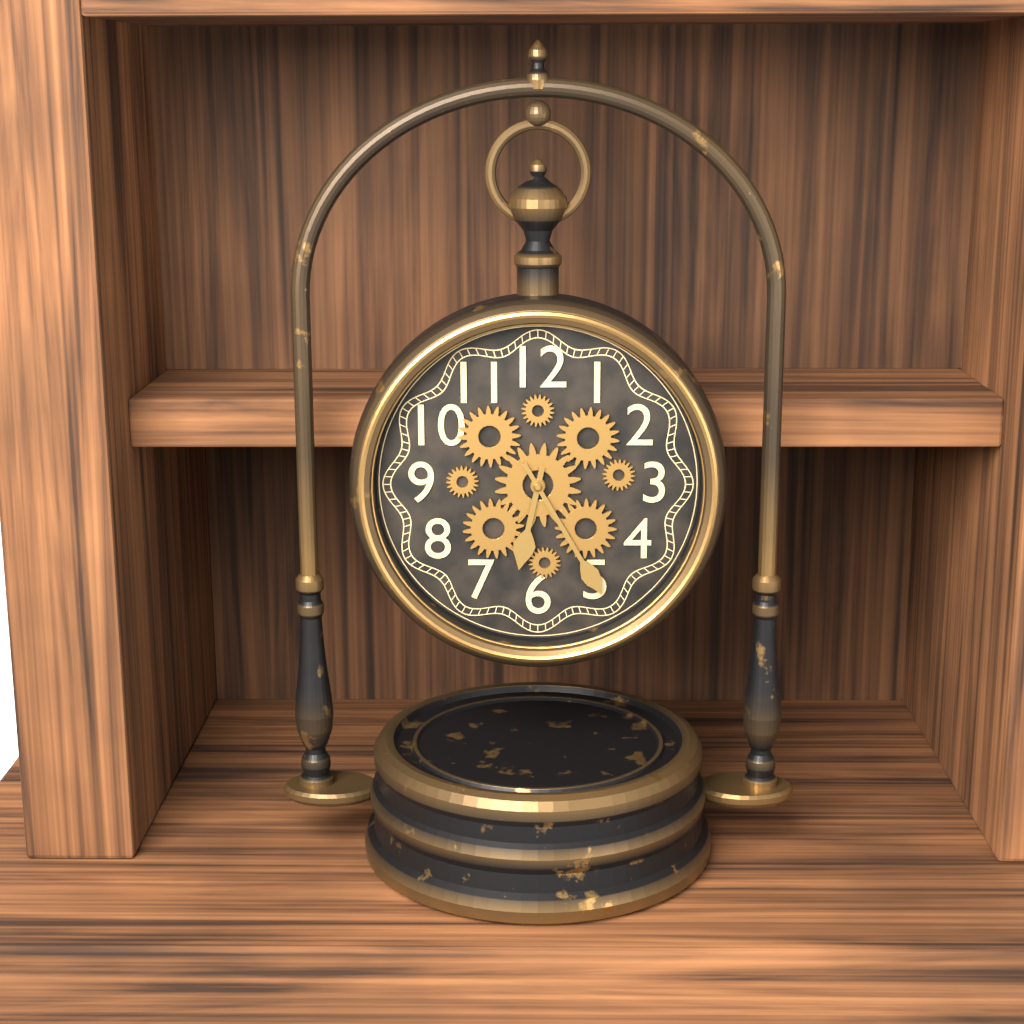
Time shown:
{"hour": 6, "minute": 25}
